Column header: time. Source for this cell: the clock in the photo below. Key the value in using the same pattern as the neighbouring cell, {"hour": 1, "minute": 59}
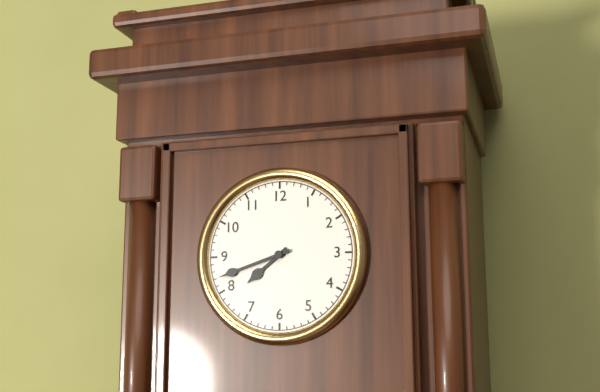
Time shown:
{"hour": 7, "minute": 42}
